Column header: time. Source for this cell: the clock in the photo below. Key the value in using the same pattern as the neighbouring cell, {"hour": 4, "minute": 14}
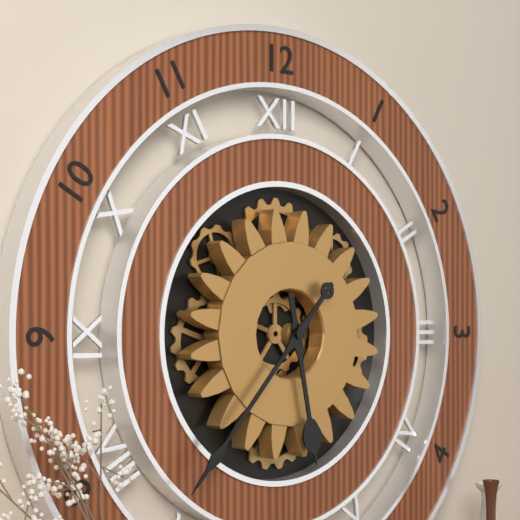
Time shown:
{"hour": 5, "minute": 37}
